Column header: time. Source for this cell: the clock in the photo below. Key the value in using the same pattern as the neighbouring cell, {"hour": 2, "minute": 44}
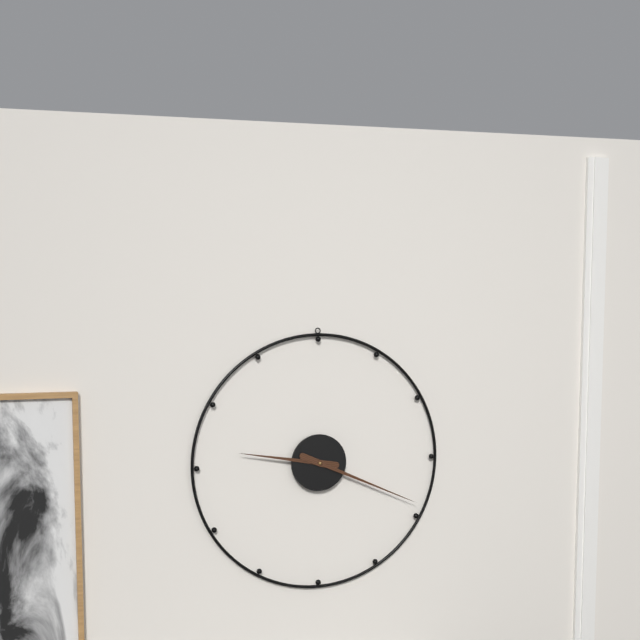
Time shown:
{"hour": 9, "minute": 19}
